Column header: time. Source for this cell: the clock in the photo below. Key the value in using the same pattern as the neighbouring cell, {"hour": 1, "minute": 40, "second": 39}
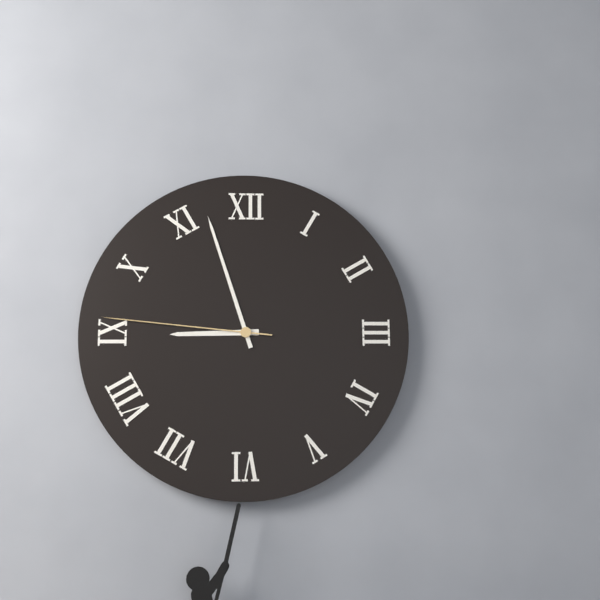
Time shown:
{"hour": 8, "minute": 57, "second": 46}
